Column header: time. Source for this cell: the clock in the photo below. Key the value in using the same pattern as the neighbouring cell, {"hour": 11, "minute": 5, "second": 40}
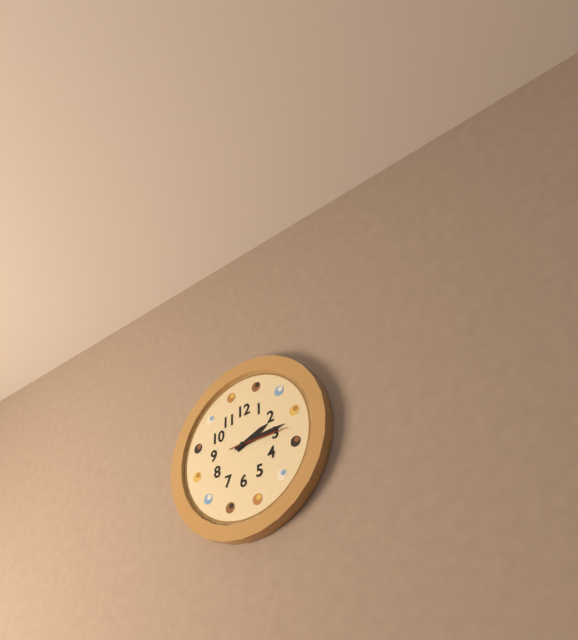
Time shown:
{"hour": 2, "minute": 14, "second": 15}
